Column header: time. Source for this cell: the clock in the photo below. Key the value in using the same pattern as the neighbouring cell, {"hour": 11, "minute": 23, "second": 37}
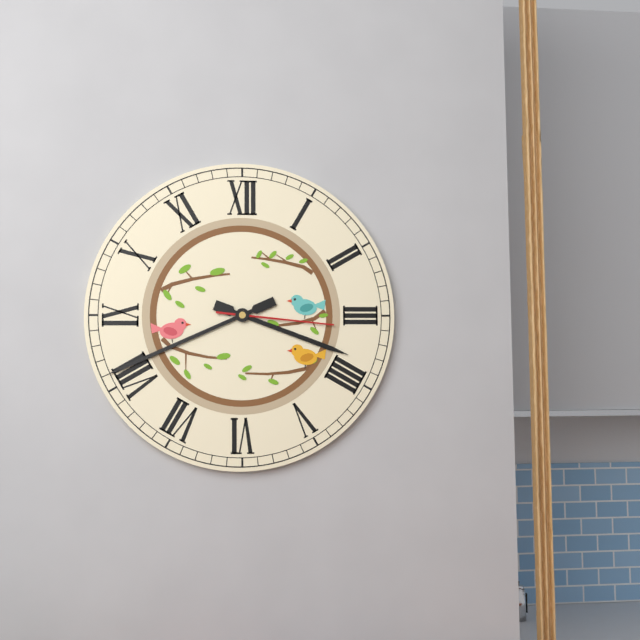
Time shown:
{"hour": 3, "minute": 41, "second": 16}
